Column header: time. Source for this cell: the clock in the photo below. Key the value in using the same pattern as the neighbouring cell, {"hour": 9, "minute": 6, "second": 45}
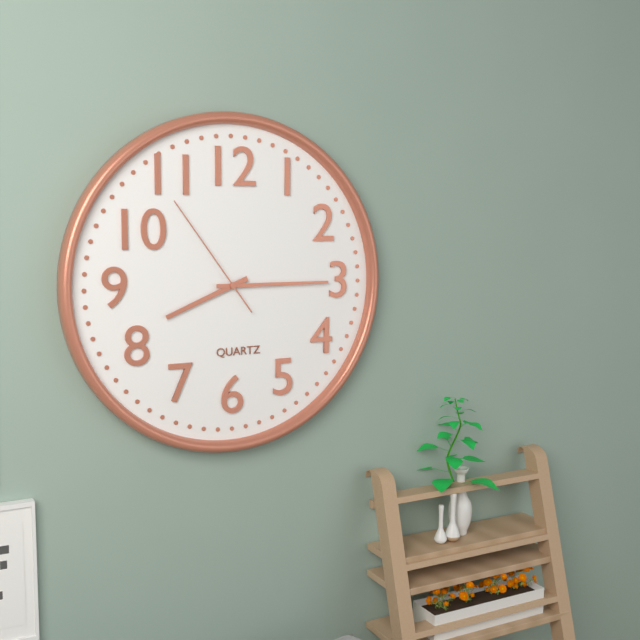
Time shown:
{"hour": 8, "minute": 15, "second": 54}
